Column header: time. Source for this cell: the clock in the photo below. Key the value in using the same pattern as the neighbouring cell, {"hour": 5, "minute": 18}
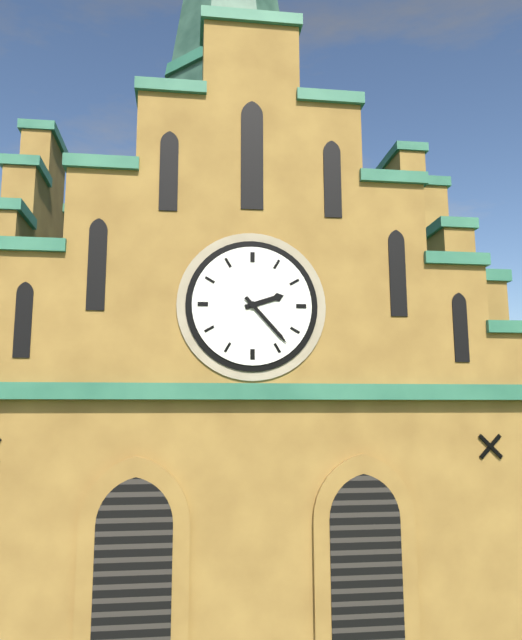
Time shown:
{"hour": 2, "minute": 23}
